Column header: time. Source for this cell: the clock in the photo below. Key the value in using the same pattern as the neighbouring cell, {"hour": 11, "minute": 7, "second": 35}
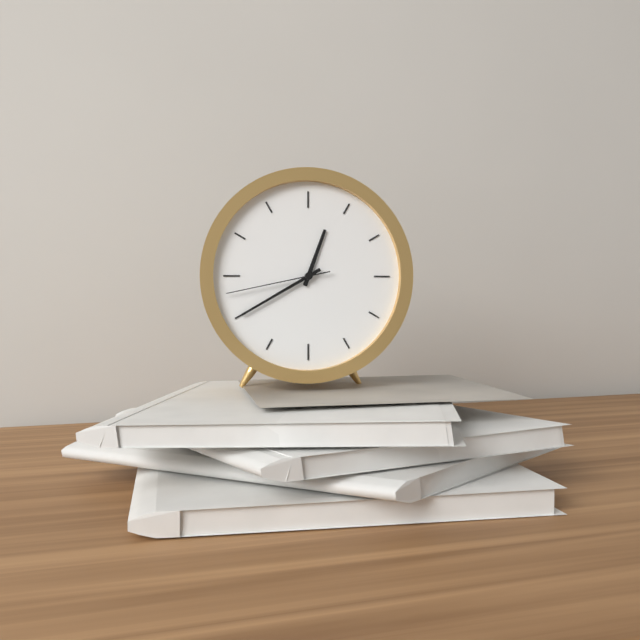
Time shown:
{"hour": 12, "minute": 40, "second": 43}
